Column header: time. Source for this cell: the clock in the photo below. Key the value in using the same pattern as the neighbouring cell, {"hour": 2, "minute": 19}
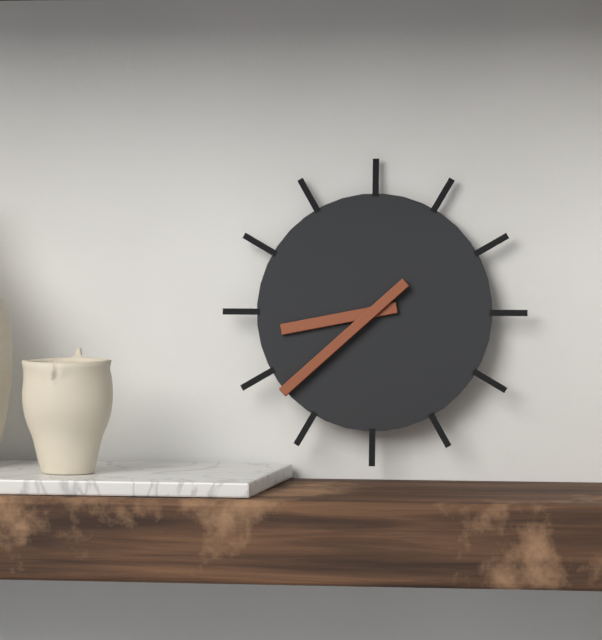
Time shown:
{"hour": 8, "minute": 38}
